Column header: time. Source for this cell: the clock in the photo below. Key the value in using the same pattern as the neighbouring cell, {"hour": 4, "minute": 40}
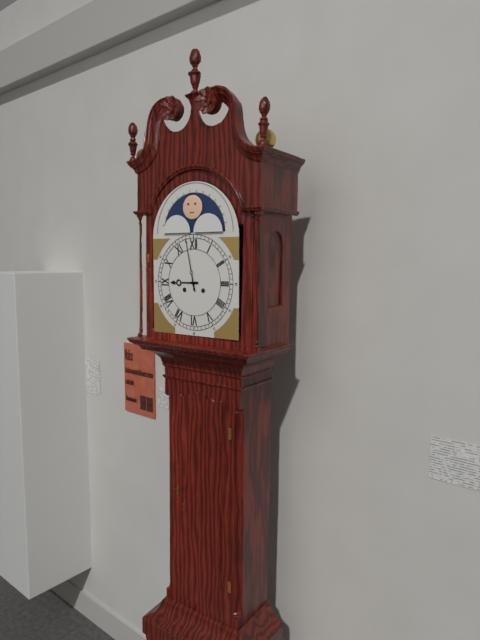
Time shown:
{"hour": 8, "minute": 58}
